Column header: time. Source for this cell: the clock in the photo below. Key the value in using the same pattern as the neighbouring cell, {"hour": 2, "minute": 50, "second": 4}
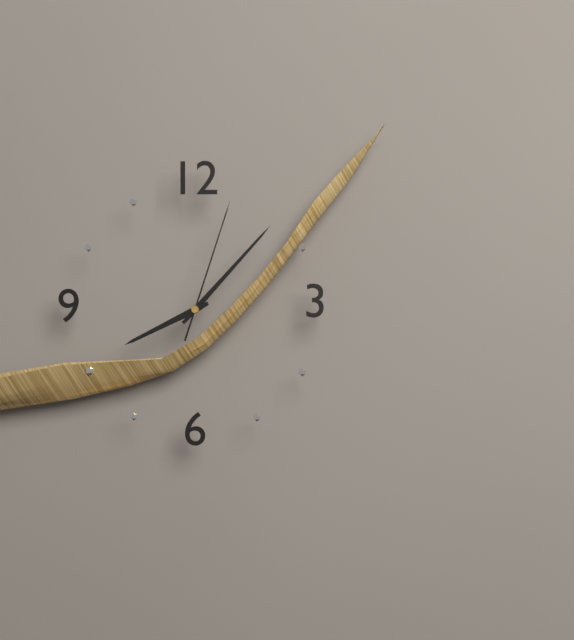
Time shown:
{"hour": 8, "minute": 7, "second": 3}
